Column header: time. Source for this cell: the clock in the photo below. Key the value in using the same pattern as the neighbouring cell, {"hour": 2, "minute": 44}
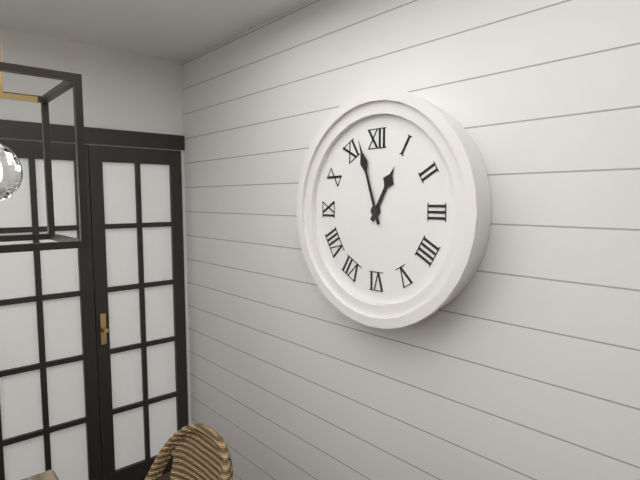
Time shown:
{"hour": 12, "minute": 57}
